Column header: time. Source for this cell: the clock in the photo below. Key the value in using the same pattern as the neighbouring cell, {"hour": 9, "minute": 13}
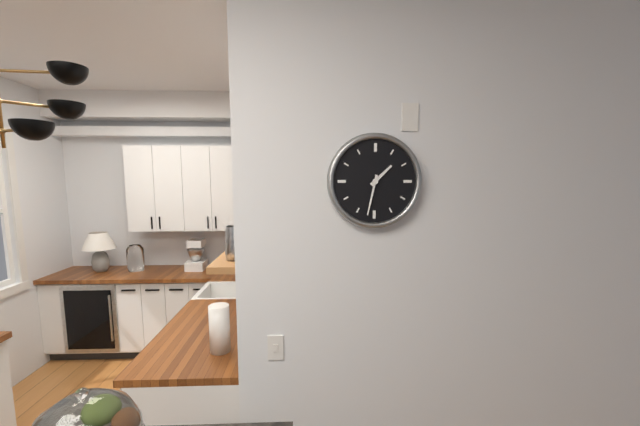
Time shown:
{"hour": 1, "minute": 32}
